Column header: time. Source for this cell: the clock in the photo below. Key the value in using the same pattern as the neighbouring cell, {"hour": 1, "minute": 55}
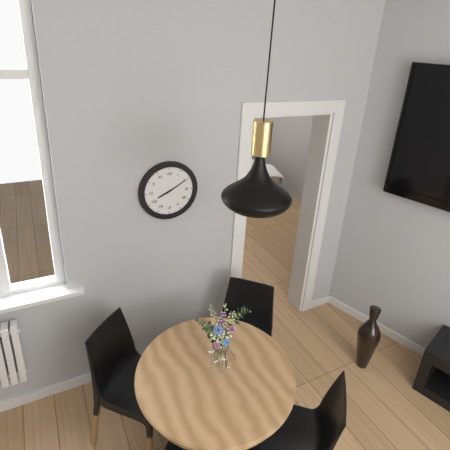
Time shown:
{"hour": 8, "minute": 10}
